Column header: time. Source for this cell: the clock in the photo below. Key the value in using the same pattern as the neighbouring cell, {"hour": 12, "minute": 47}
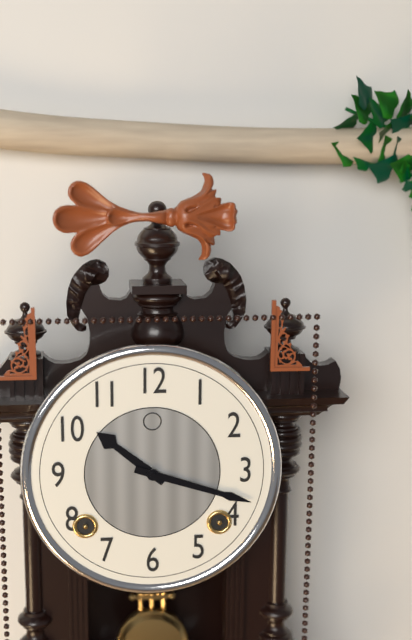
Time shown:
{"hour": 10, "minute": 18}
